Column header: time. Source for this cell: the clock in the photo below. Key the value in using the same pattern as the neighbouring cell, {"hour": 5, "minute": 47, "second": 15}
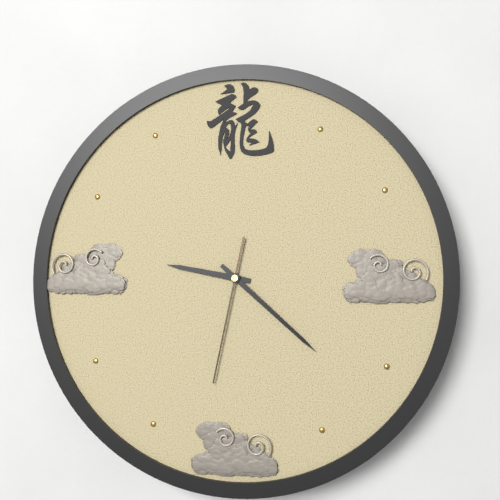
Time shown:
{"hour": 9, "minute": 22, "second": 32}
